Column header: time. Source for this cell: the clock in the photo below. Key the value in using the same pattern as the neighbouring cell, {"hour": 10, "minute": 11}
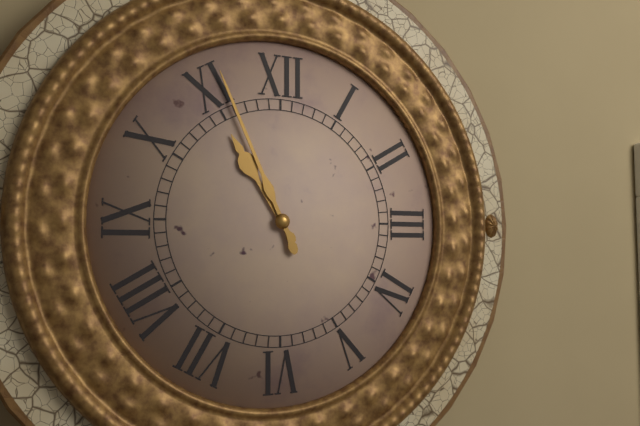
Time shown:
{"hour": 10, "minute": 56}
